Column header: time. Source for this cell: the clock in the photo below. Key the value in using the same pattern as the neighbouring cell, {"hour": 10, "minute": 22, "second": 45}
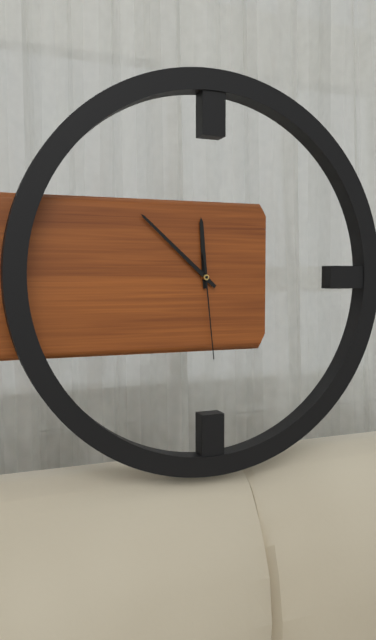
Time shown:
{"hour": 11, "minute": 52, "second": 29}
